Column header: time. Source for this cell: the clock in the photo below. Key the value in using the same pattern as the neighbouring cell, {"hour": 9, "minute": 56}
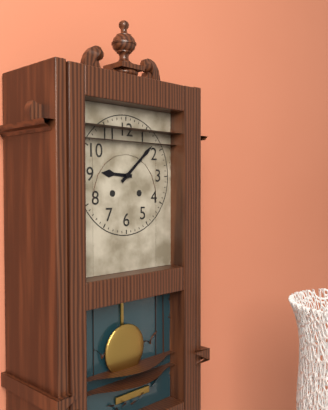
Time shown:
{"hour": 9, "minute": 8}
